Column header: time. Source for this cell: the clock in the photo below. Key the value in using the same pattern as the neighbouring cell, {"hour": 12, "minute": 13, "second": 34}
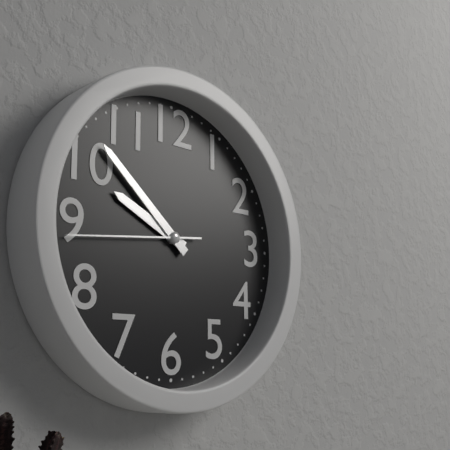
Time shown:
{"hour": 9, "minute": 52, "second": 44}
